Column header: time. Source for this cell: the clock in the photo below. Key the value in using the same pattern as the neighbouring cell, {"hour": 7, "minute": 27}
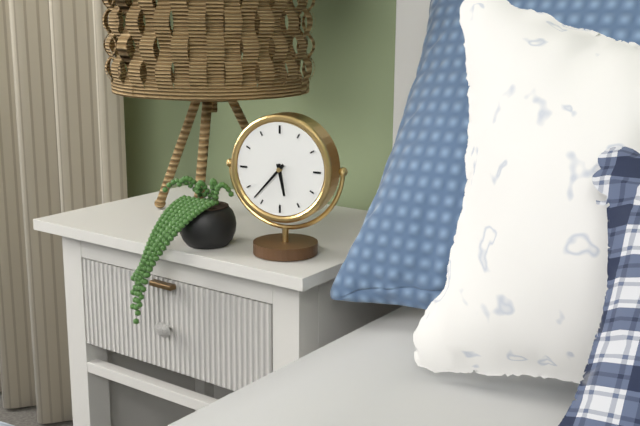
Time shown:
{"hour": 5, "minute": 37}
